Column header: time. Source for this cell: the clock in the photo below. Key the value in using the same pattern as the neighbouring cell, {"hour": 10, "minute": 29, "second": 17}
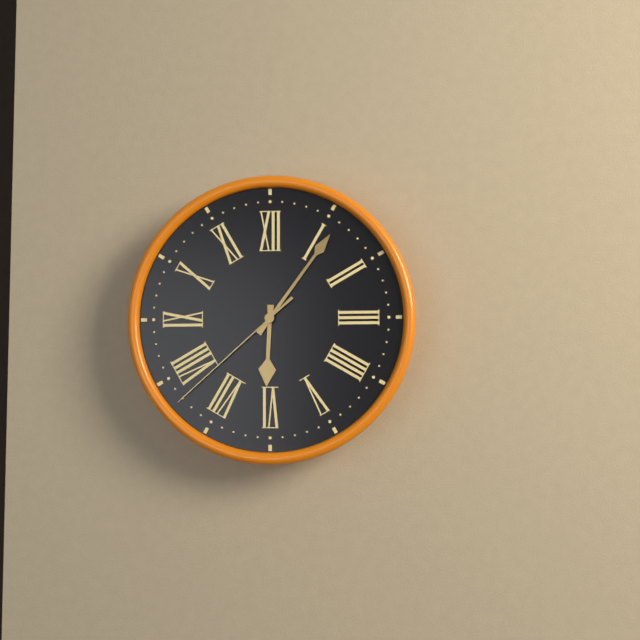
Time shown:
{"hour": 6, "minute": 6, "second": 38}
